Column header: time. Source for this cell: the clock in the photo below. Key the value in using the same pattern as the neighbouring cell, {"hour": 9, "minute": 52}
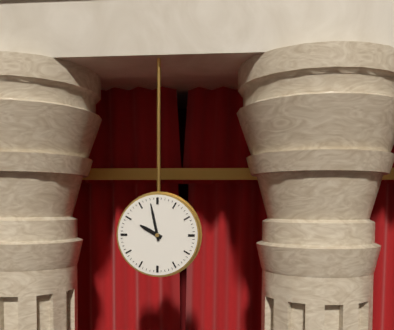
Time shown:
{"hour": 9, "minute": 58}
